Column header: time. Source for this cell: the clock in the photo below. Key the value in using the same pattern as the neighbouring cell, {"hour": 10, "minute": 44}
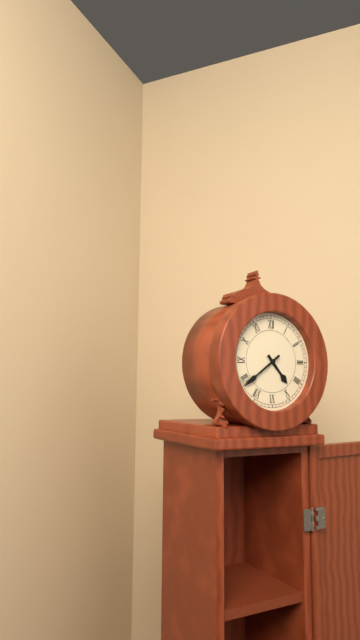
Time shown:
{"hour": 4, "minute": 39}
